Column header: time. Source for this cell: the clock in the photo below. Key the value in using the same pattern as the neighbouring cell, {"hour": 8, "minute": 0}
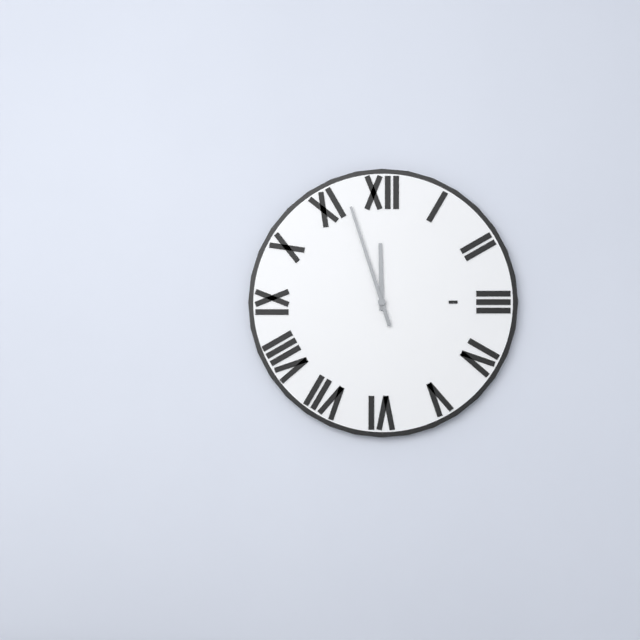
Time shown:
{"hour": 11, "minute": 57}
